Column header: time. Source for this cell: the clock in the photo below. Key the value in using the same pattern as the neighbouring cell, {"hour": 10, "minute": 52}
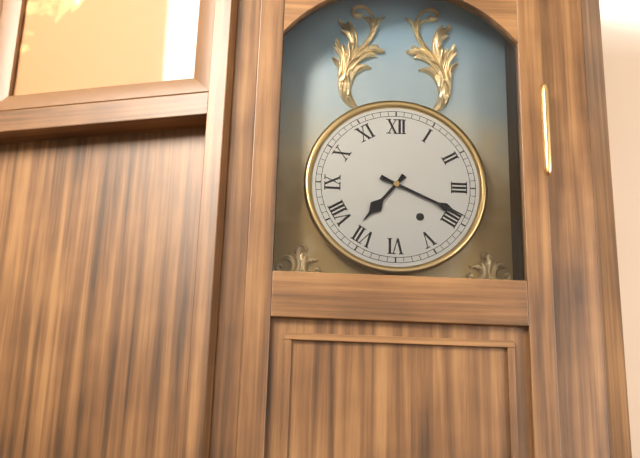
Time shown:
{"hour": 7, "minute": 19}
